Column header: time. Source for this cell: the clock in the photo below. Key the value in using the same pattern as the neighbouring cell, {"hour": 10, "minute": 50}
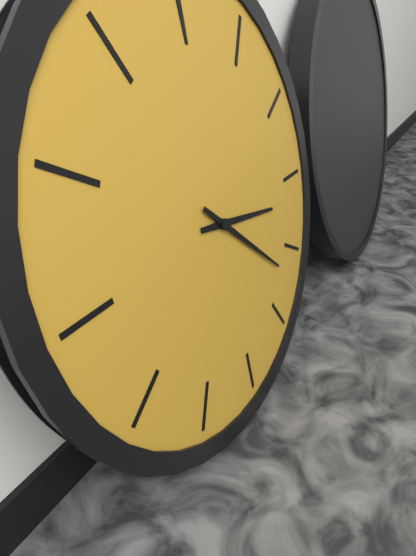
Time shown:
{"hour": 3, "minute": 22}
